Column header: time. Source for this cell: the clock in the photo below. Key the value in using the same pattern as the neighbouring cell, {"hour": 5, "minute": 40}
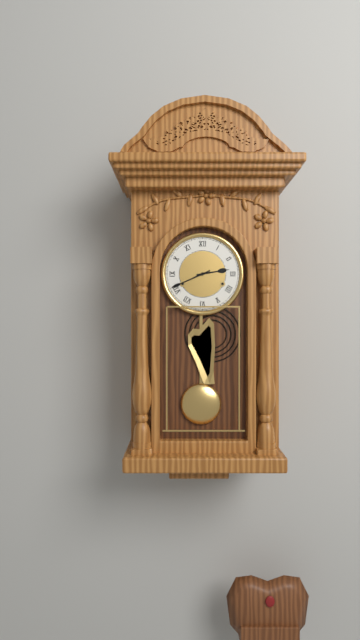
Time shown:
{"hour": 2, "minute": 41}
